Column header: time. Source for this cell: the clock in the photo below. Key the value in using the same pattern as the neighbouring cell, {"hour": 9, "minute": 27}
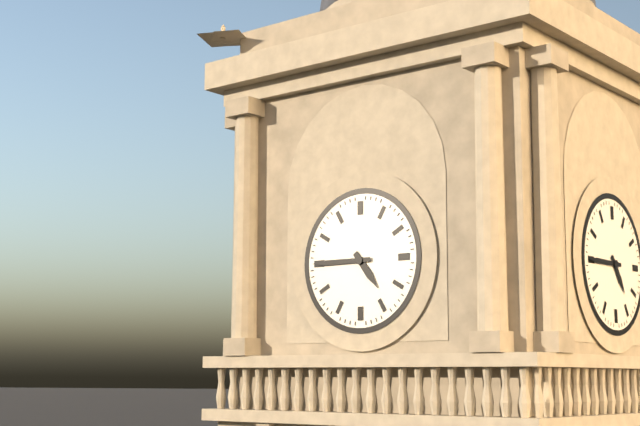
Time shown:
{"hour": 4, "minute": 45}
